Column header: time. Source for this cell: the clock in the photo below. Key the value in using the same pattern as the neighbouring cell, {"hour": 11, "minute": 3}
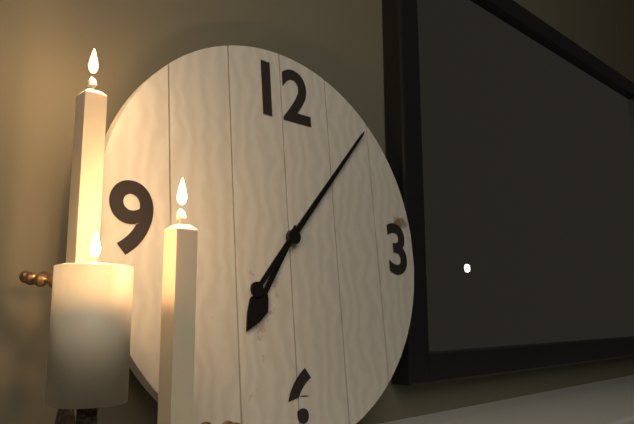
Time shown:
{"hour": 7, "minute": 7}
